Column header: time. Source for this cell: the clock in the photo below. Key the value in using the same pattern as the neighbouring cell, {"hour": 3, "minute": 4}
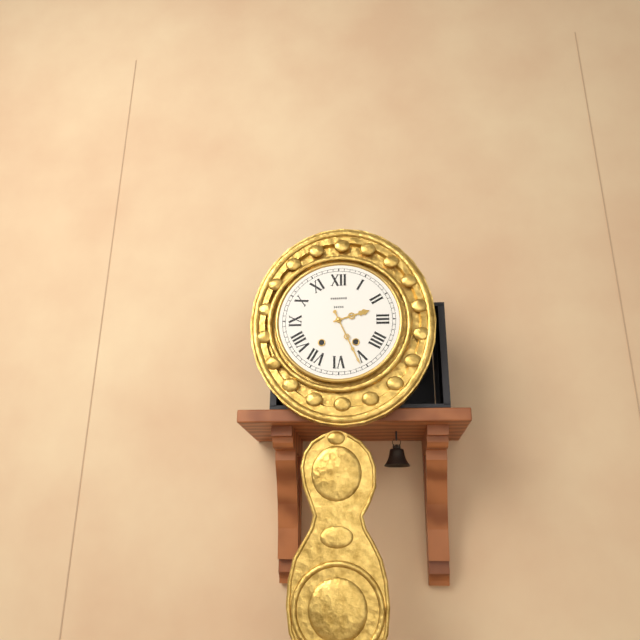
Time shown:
{"hour": 2, "minute": 26}
